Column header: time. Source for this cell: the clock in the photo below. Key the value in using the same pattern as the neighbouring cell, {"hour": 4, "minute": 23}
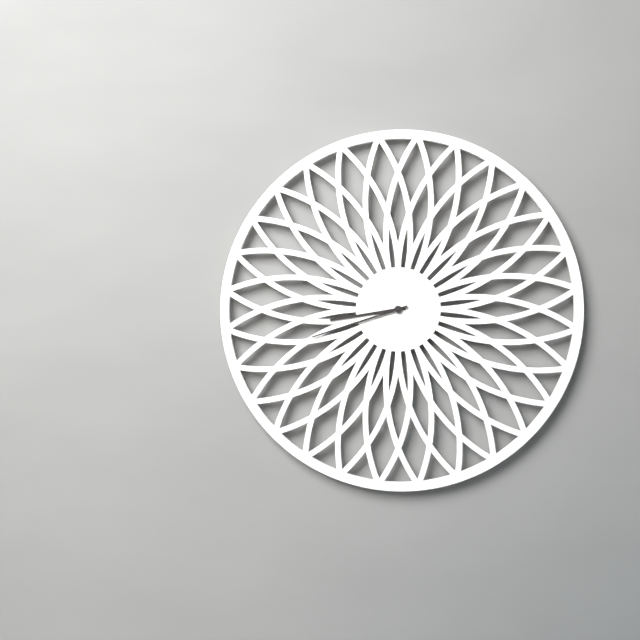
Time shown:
{"hour": 8, "minute": 42}
